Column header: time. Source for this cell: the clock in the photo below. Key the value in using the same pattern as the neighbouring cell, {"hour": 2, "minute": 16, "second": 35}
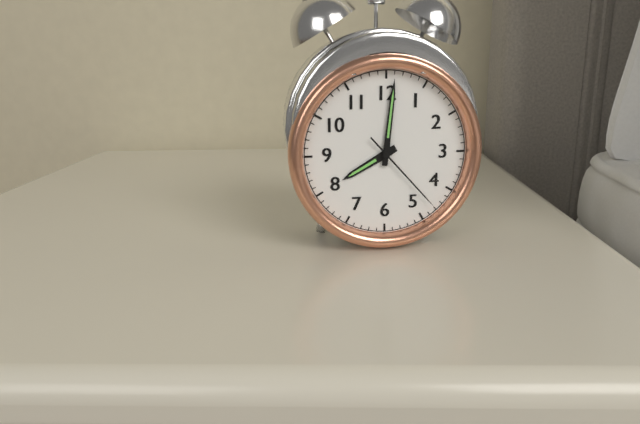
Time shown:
{"hour": 8, "minute": 1, "second": 23}
